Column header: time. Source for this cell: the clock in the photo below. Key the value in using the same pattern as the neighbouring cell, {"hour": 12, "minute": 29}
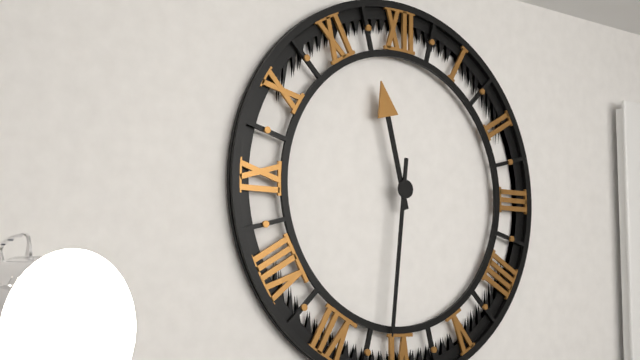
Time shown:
{"hour": 11, "minute": 31}
